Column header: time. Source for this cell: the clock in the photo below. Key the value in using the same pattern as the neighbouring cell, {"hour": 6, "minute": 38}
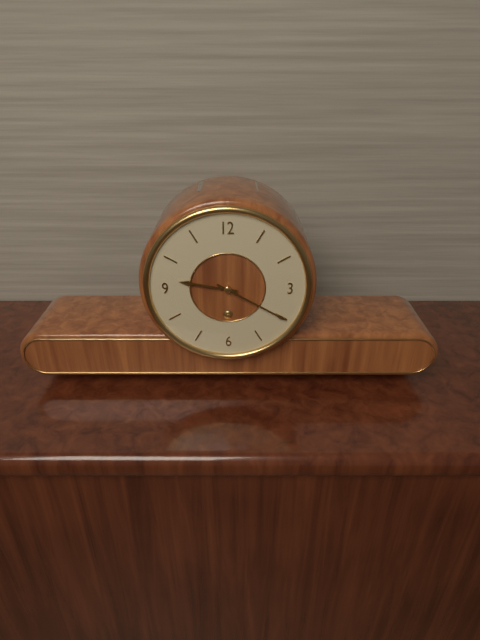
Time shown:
{"hour": 9, "minute": 20}
